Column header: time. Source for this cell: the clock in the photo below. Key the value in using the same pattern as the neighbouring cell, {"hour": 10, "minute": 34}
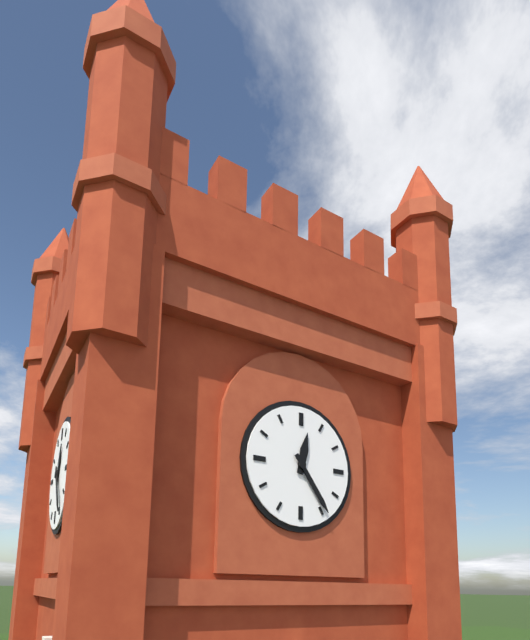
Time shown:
{"hour": 12, "minute": 24}
